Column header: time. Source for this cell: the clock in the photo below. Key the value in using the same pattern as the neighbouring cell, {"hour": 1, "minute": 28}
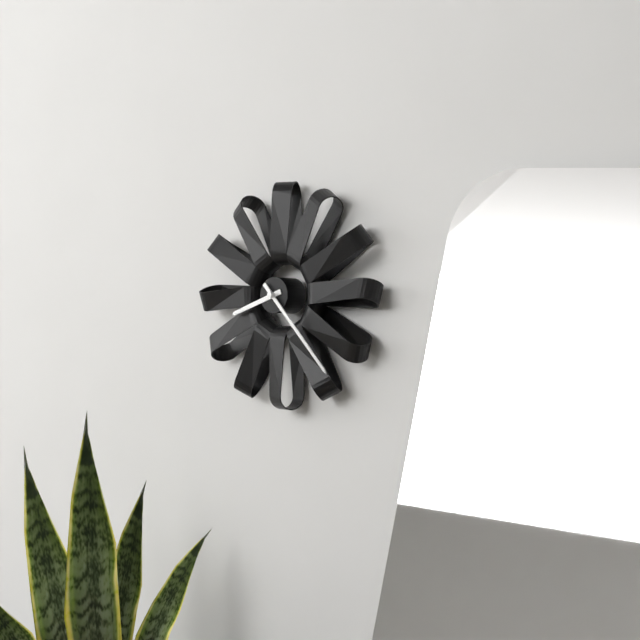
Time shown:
{"hour": 8, "minute": 23}
